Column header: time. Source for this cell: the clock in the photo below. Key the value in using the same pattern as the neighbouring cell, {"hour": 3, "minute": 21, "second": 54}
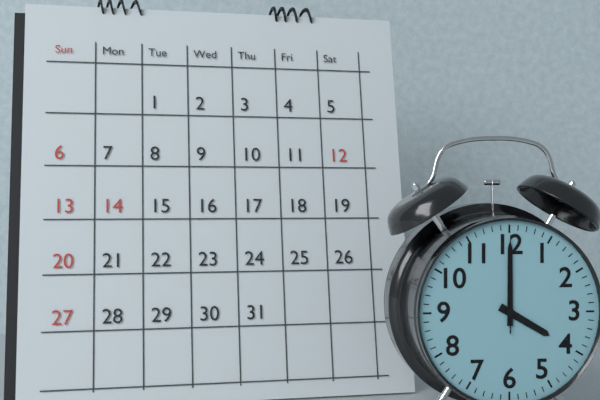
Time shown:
{"hour": 4, "minute": 0, "second": 0}
